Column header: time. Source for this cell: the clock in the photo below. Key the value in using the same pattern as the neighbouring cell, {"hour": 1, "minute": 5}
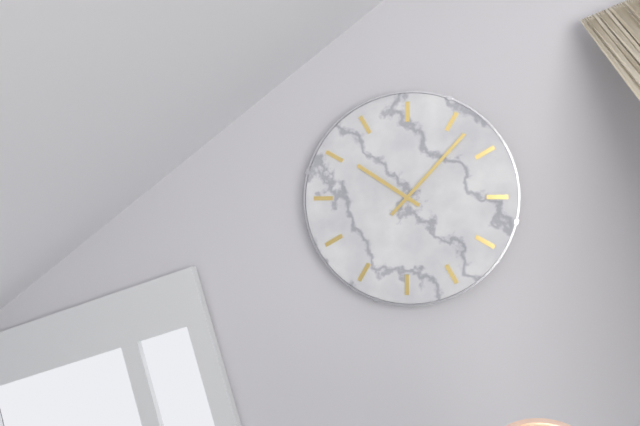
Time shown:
{"hour": 10, "minute": 7}
